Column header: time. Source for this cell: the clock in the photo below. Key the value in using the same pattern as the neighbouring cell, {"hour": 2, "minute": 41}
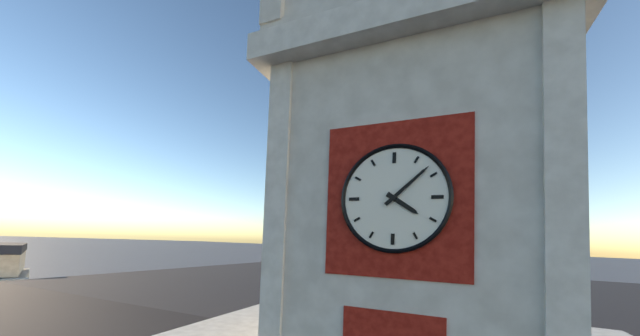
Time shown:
{"hour": 4, "minute": 8}
